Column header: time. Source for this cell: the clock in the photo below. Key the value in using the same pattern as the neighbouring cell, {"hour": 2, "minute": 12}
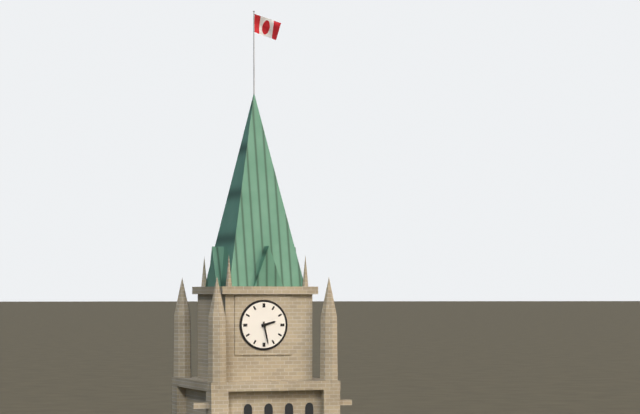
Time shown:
{"hour": 2, "minute": 28}
